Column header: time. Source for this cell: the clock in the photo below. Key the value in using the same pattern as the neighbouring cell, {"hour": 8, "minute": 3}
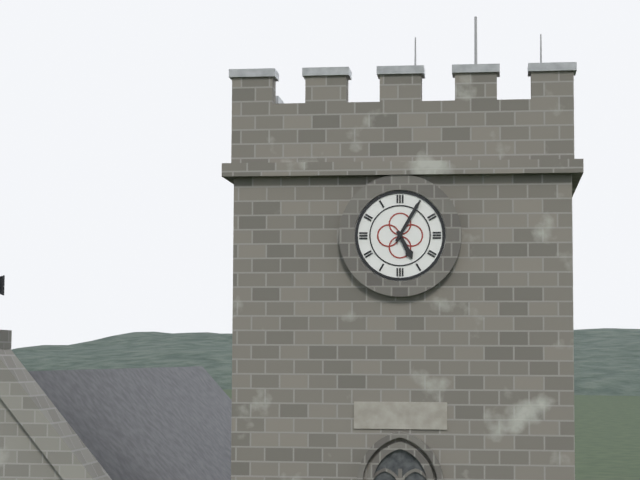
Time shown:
{"hour": 5, "minute": 5}
